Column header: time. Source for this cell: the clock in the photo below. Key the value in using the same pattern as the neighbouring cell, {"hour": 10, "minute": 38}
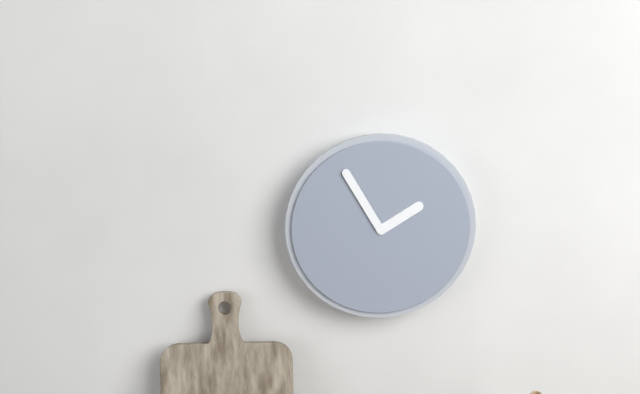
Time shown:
{"hour": 1, "minute": 55}
